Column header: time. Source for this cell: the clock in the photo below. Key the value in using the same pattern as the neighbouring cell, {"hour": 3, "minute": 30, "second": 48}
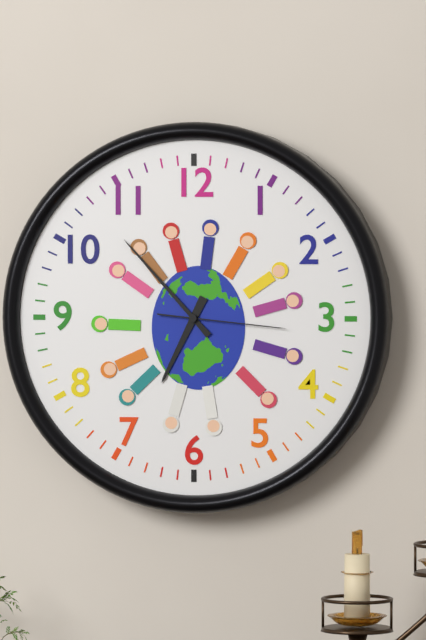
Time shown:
{"hour": 6, "minute": 53, "second": 16}
